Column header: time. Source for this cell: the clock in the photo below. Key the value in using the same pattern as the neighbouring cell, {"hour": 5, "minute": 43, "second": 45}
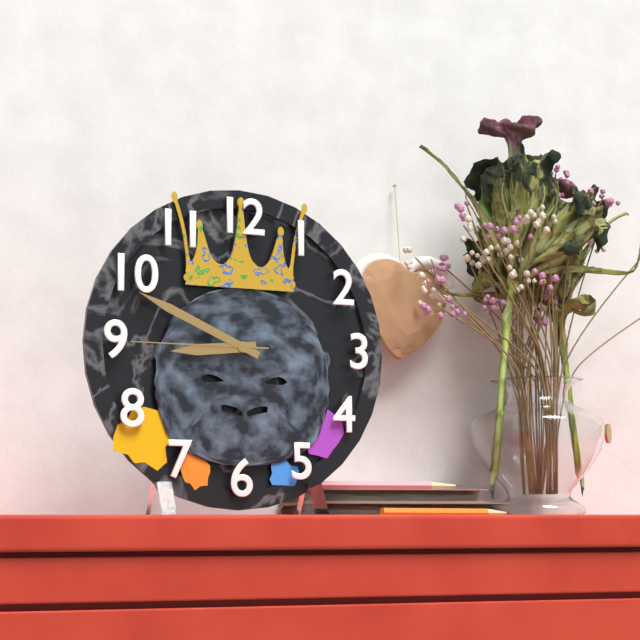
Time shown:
{"hour": 8, "minute": 49, "second": 45}
